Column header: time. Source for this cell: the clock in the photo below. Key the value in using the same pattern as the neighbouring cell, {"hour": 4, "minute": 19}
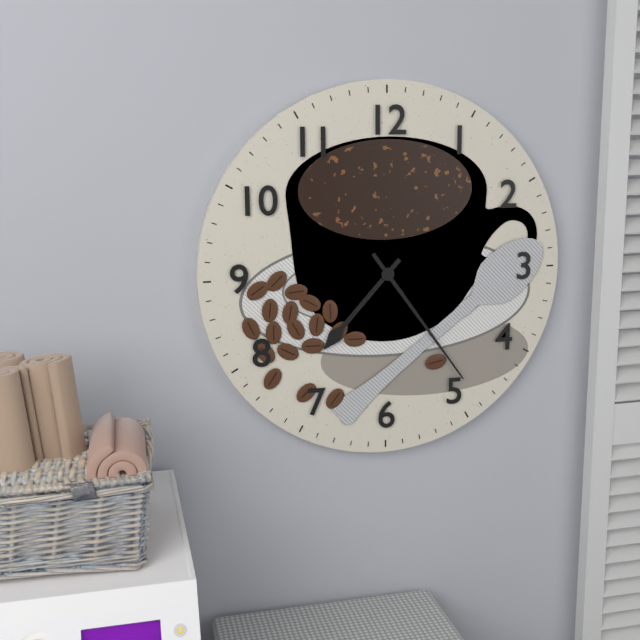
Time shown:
{"hour": 7, "minute": 24}
